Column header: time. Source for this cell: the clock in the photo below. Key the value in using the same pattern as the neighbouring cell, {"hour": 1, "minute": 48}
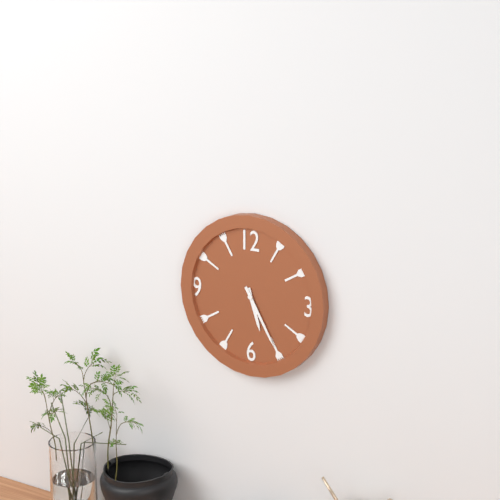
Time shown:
{"hour": 5, "minute": 25}
